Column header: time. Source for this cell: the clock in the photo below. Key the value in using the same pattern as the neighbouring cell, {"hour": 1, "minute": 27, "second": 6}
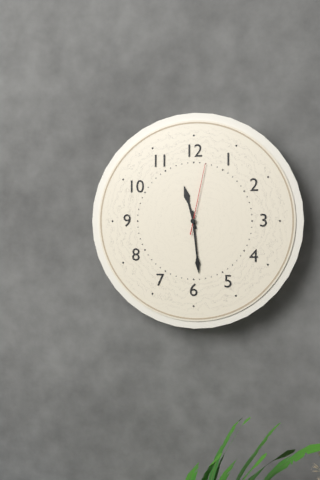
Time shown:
{"hour": 11, "minute": 29, "second": 2}
